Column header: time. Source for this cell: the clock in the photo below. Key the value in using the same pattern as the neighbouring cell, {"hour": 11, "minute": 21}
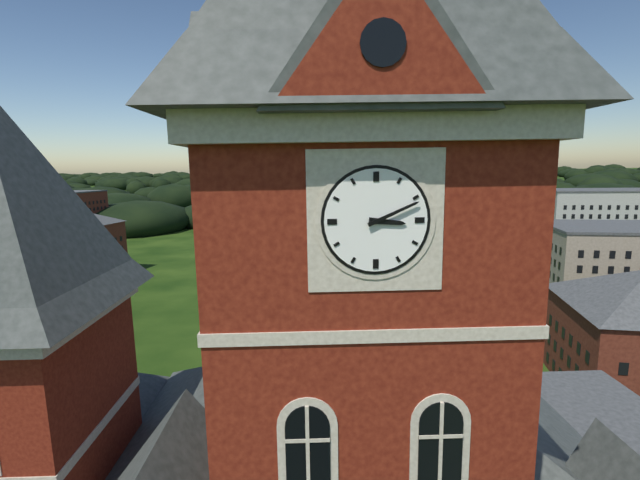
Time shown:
{"hour": 3, "minute": 11}
